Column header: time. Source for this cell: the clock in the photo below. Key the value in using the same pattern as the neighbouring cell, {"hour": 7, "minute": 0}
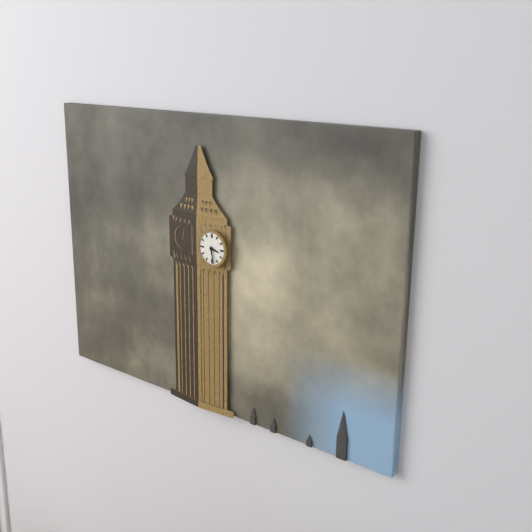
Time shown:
{"hour": 3, "minute": 28}
